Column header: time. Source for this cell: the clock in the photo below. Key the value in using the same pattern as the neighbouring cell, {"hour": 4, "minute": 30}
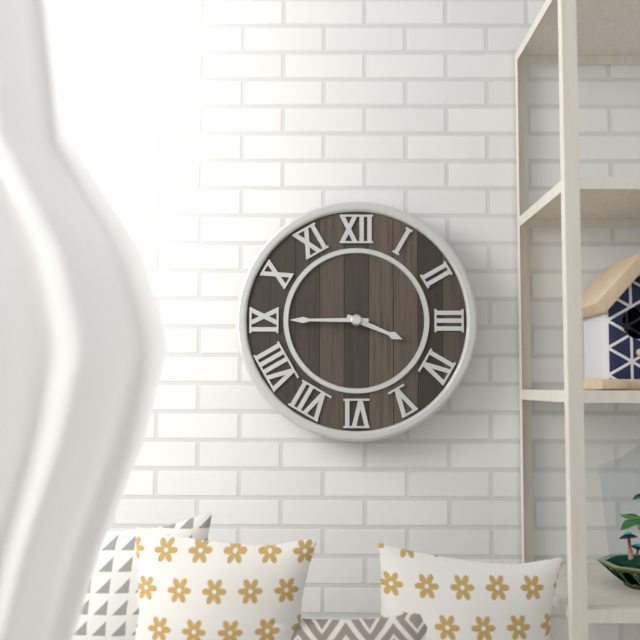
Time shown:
{"hour": 3, "minute": 45}
